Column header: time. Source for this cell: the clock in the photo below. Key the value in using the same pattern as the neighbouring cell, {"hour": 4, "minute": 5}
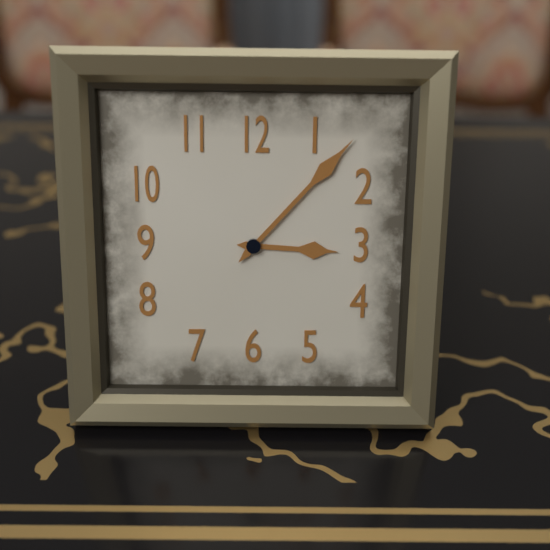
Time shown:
{"hour": 3, "minute": 7}
